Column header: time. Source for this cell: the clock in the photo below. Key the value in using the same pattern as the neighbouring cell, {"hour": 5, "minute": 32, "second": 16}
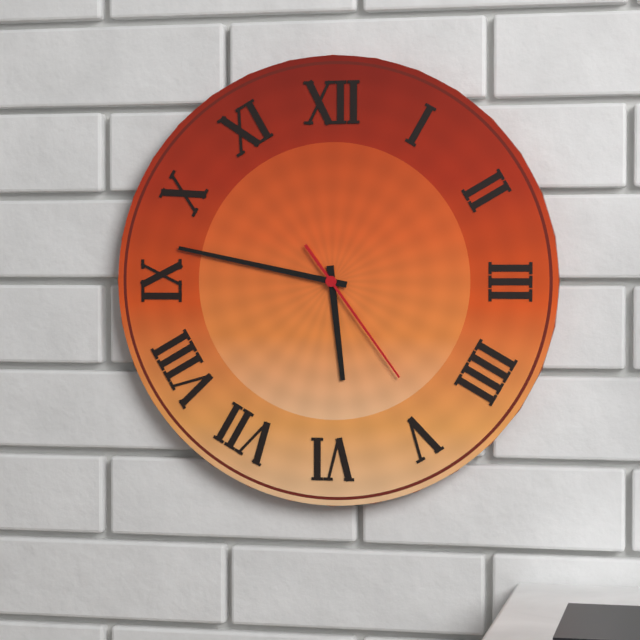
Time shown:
{"hour": 5, "minute": 47, "second": 24}
